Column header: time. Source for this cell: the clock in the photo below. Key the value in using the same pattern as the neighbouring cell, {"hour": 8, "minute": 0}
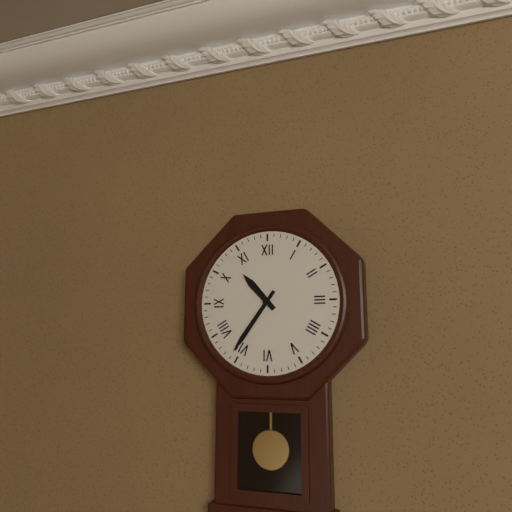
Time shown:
{"hour": 10, "minute": 36}
